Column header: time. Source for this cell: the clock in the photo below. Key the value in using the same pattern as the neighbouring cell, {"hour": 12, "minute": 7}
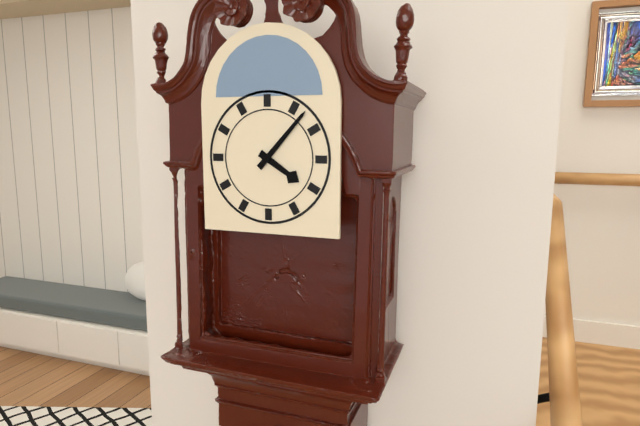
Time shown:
{"hour": 4, "minute": 7}
